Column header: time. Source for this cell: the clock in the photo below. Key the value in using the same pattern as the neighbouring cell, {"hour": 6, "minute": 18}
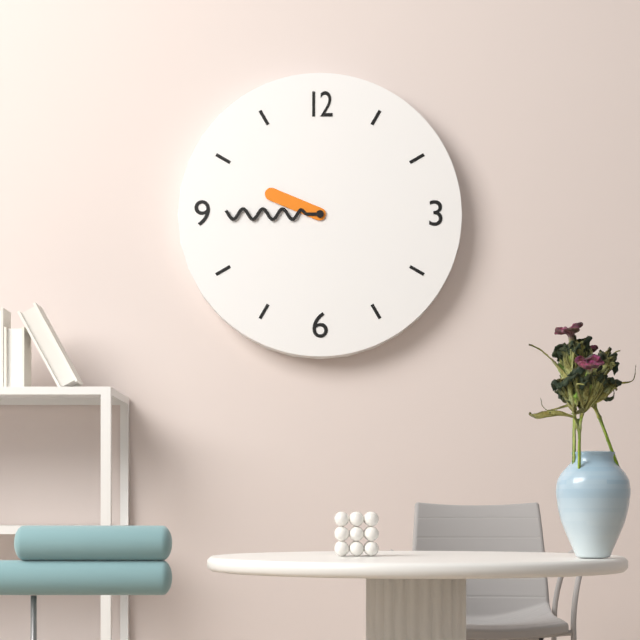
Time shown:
{"hour": 9, "minute": 45}
